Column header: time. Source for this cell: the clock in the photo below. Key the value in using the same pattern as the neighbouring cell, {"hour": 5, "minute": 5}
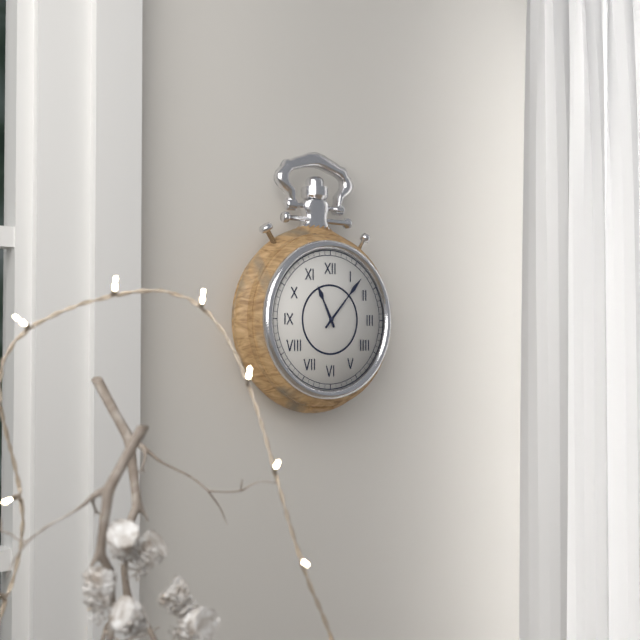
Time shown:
{"hour": 11, "minute": 7}
